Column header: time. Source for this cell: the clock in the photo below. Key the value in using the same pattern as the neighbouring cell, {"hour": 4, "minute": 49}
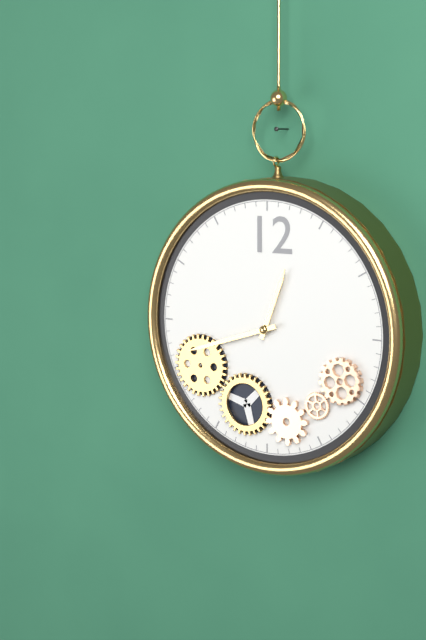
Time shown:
{"hour": 12, "minute": 42}
